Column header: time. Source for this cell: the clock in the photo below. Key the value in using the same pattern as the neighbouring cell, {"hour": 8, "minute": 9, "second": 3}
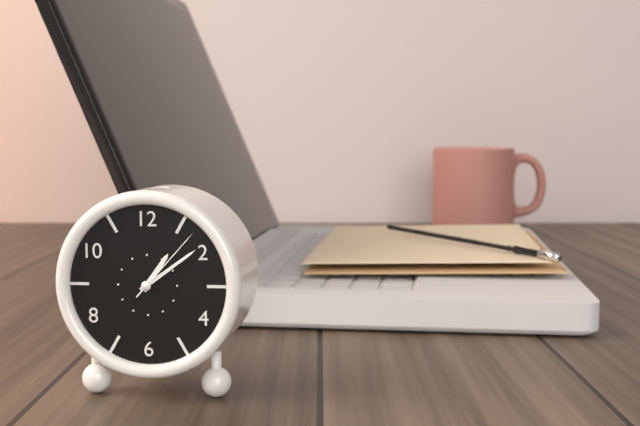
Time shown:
{"hour": 1, "minute": 9, "second": 7}
